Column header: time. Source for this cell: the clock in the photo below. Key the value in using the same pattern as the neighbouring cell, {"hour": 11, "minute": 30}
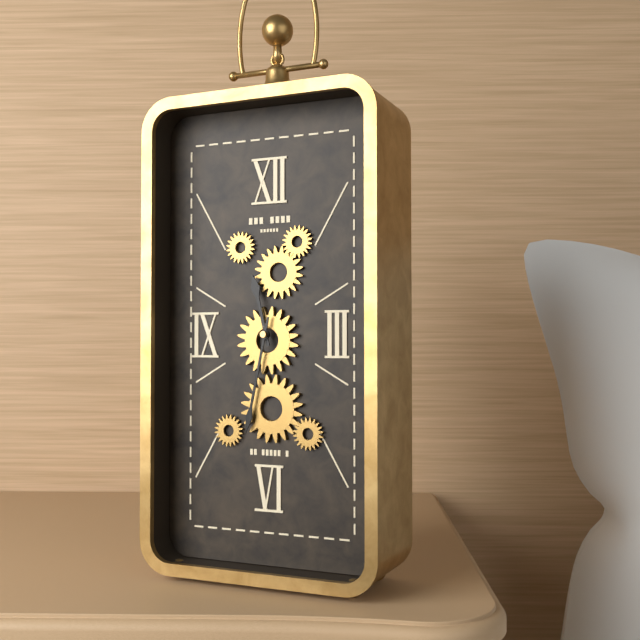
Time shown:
{"hour": 11, "minute": 32}
